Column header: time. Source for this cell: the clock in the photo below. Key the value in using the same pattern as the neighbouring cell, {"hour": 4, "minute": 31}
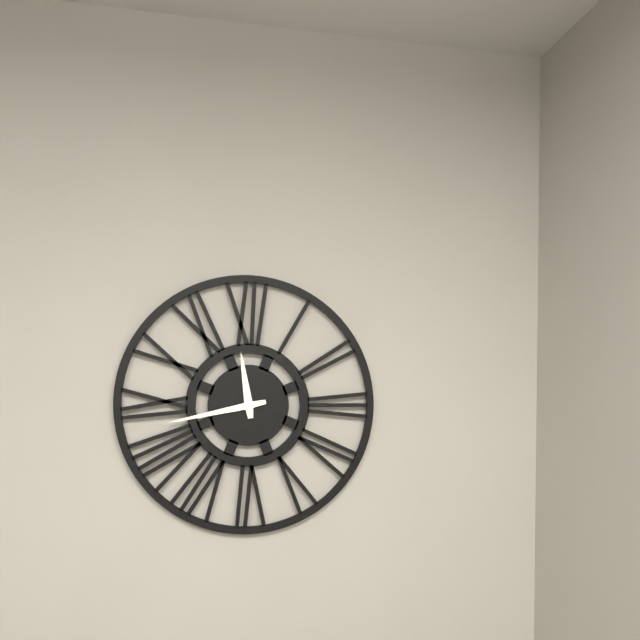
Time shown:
{"hour": 11, "minute": 43}
